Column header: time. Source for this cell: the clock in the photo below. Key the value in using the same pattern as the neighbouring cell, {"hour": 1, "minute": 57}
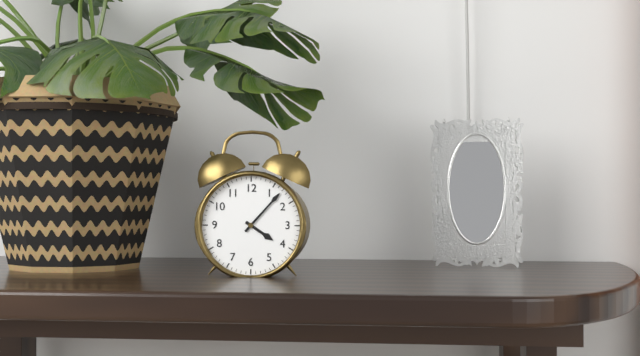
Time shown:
{"hour": 4, "minute": 7}
